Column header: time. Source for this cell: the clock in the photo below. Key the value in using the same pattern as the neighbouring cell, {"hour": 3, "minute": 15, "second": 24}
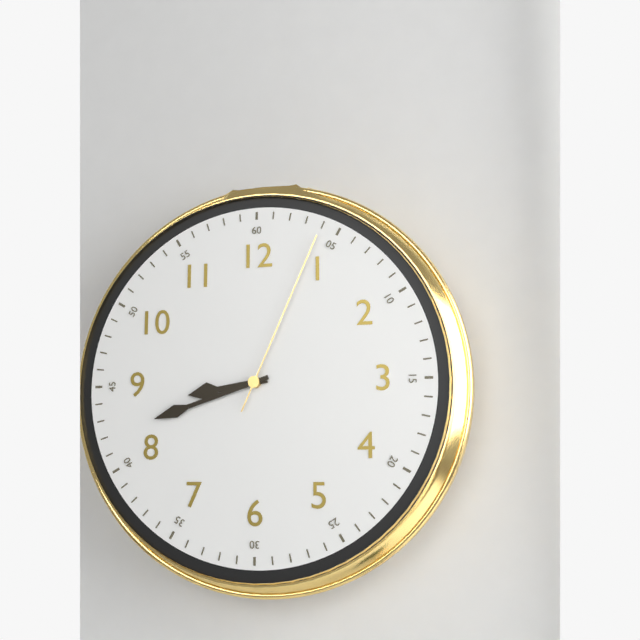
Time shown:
{"hour": 8, "minute": 42, "second": 4}
